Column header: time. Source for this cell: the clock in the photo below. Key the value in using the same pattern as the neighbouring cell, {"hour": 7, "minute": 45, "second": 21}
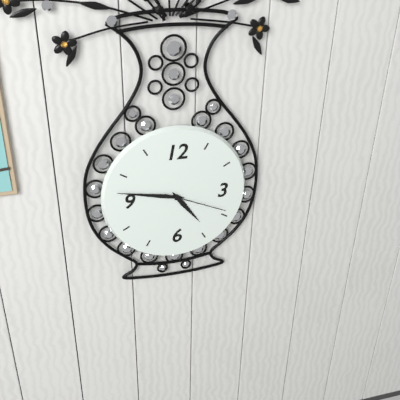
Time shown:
{"hour": 4, "minute": 47, "second": 19}
